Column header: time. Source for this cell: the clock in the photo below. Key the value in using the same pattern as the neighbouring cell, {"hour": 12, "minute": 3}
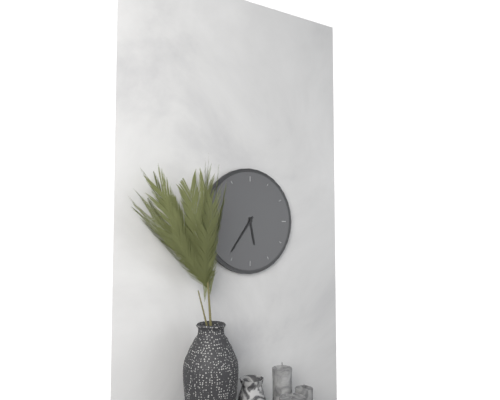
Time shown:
{"hour": 5, "minute": 36}
